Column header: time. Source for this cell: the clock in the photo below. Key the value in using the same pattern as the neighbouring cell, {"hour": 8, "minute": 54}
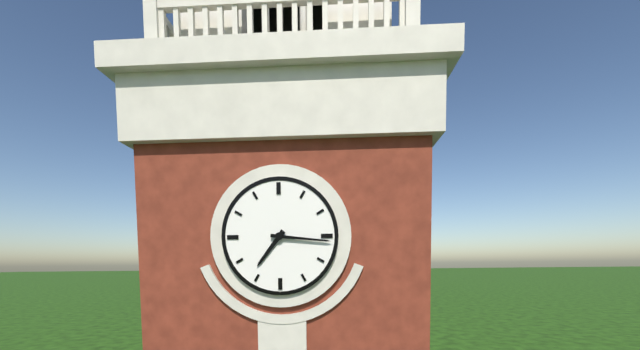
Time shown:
{"hour": 7, "minute": 16}
